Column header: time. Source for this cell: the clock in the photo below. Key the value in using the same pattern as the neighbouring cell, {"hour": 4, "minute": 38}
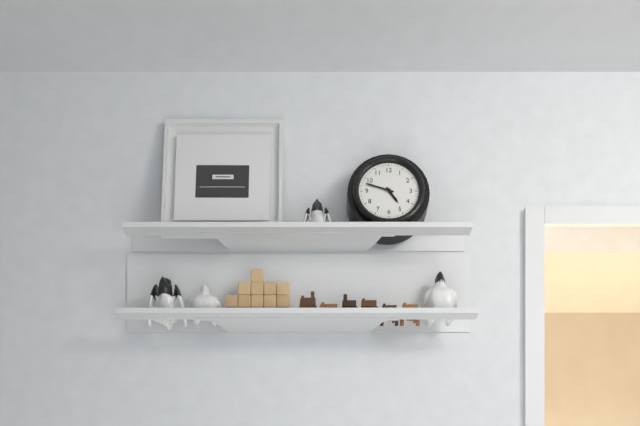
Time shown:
{"hour": 4, "minute": 48}
